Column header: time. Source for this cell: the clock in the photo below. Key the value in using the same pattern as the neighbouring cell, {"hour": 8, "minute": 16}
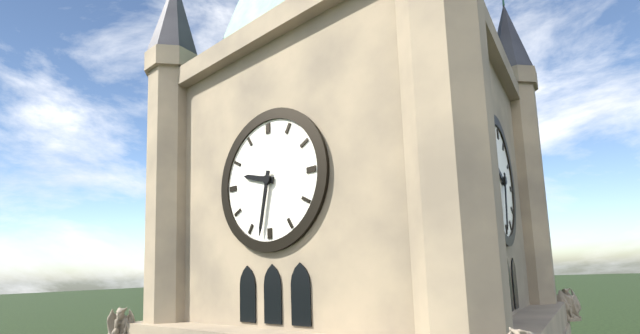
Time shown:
{"hour": 9, "minute": 32}
